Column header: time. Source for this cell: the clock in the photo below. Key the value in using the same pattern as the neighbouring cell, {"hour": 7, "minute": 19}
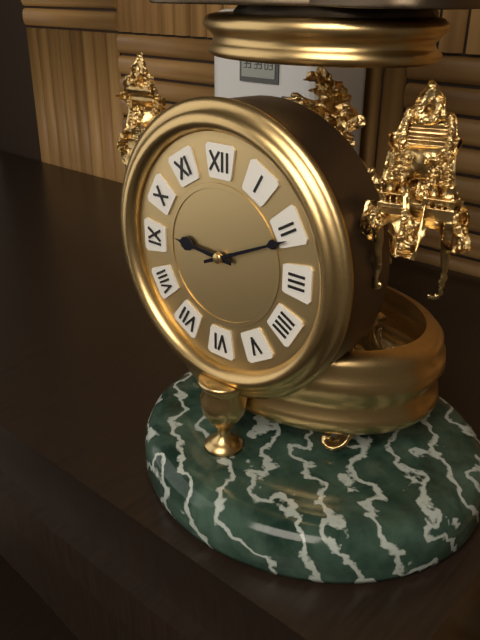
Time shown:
{"hour": 9, "minute": 11}
